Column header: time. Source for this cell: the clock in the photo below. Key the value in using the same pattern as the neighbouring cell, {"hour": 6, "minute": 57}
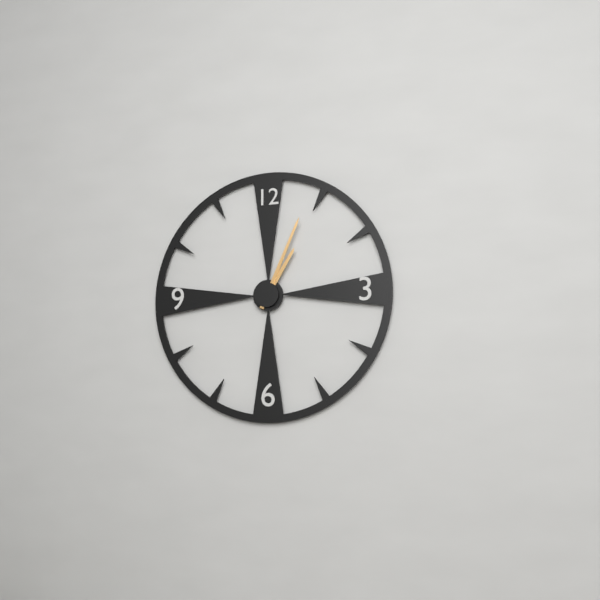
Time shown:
{"hour": 1, "minute": 4}
